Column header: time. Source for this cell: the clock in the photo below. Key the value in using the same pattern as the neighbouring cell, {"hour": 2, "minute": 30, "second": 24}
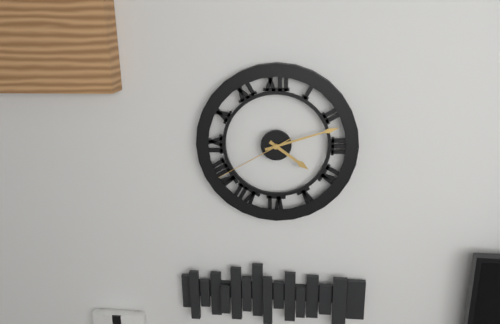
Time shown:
{"hour": 4, "minute": 12, "second": 40}
